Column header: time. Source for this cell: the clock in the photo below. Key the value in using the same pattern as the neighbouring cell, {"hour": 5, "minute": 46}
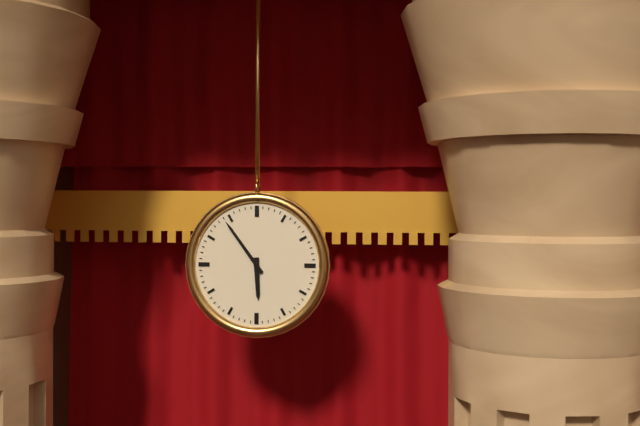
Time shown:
{"hour": 5, "minute": 54}
